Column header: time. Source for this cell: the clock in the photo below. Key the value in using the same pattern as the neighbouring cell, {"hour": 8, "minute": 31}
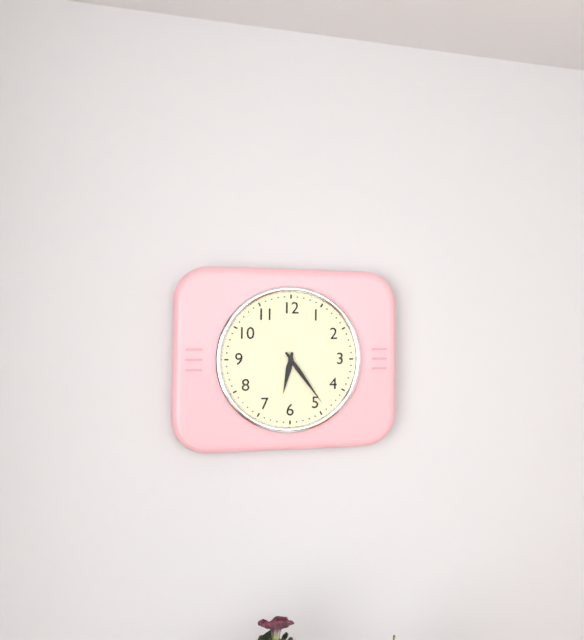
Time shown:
{"hour": 6, "minute": 24}
